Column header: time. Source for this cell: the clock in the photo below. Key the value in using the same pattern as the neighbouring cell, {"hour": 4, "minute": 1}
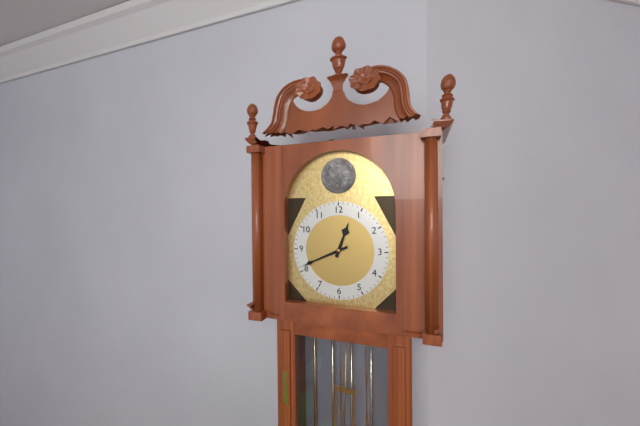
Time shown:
{"hour": 12, "minute": 41}
